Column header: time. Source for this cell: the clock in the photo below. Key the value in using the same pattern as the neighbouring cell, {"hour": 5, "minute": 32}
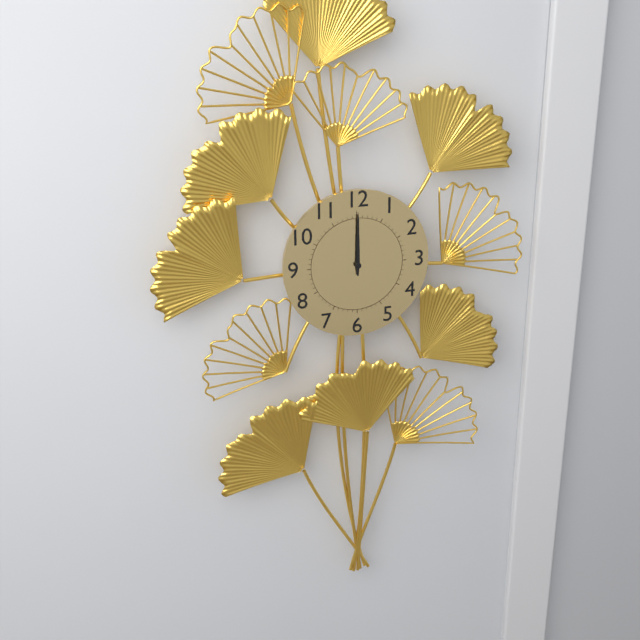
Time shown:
{"hour": 12, "minute": 0}
